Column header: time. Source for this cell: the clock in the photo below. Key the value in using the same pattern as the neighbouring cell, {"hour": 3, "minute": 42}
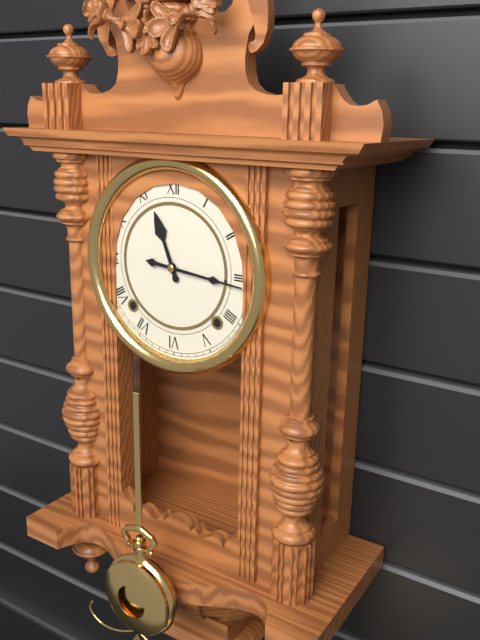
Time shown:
{"hour": 11, "minute": 16}
